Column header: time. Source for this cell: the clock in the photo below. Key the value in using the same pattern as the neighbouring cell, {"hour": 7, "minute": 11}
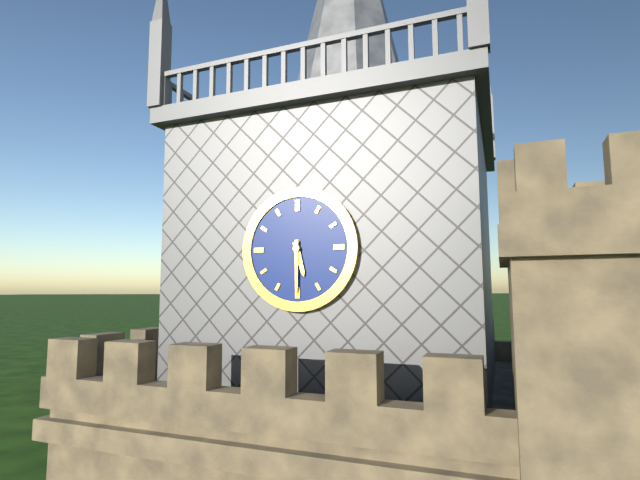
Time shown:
{"hour": 5, "minute": 30}
